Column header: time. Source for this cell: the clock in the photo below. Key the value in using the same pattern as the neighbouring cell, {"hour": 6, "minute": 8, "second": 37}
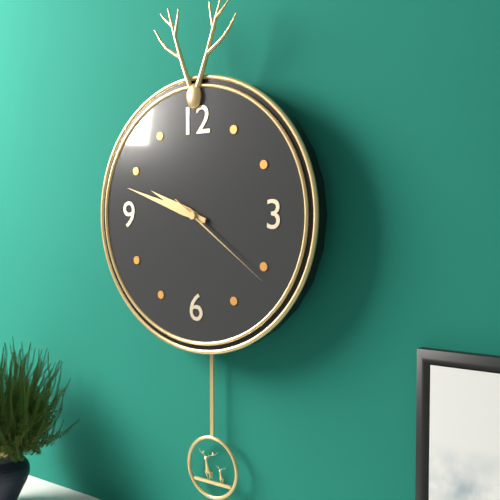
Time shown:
{"hour": 9, "minute": 48, "second": 21}
